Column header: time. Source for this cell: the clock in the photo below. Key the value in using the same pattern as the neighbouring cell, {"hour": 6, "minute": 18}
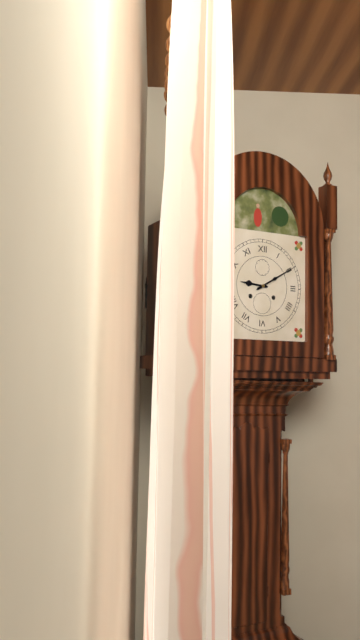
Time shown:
{"hour": 9, "minute": 10}
